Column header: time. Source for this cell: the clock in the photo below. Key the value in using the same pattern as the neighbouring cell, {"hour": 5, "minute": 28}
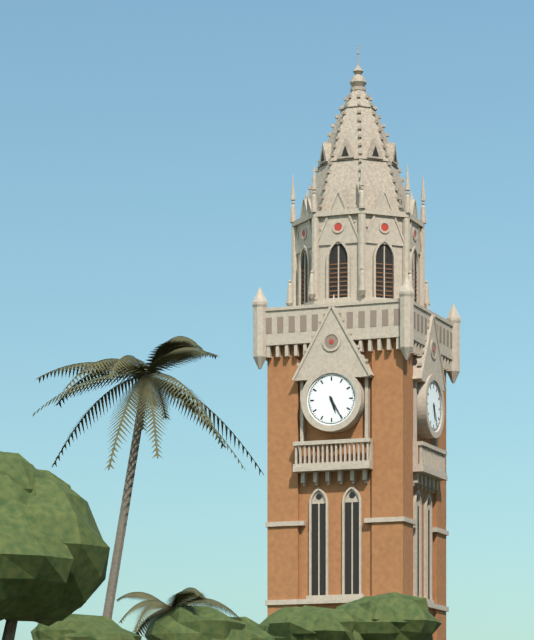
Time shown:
{"hour": 5, "minute": 25}
